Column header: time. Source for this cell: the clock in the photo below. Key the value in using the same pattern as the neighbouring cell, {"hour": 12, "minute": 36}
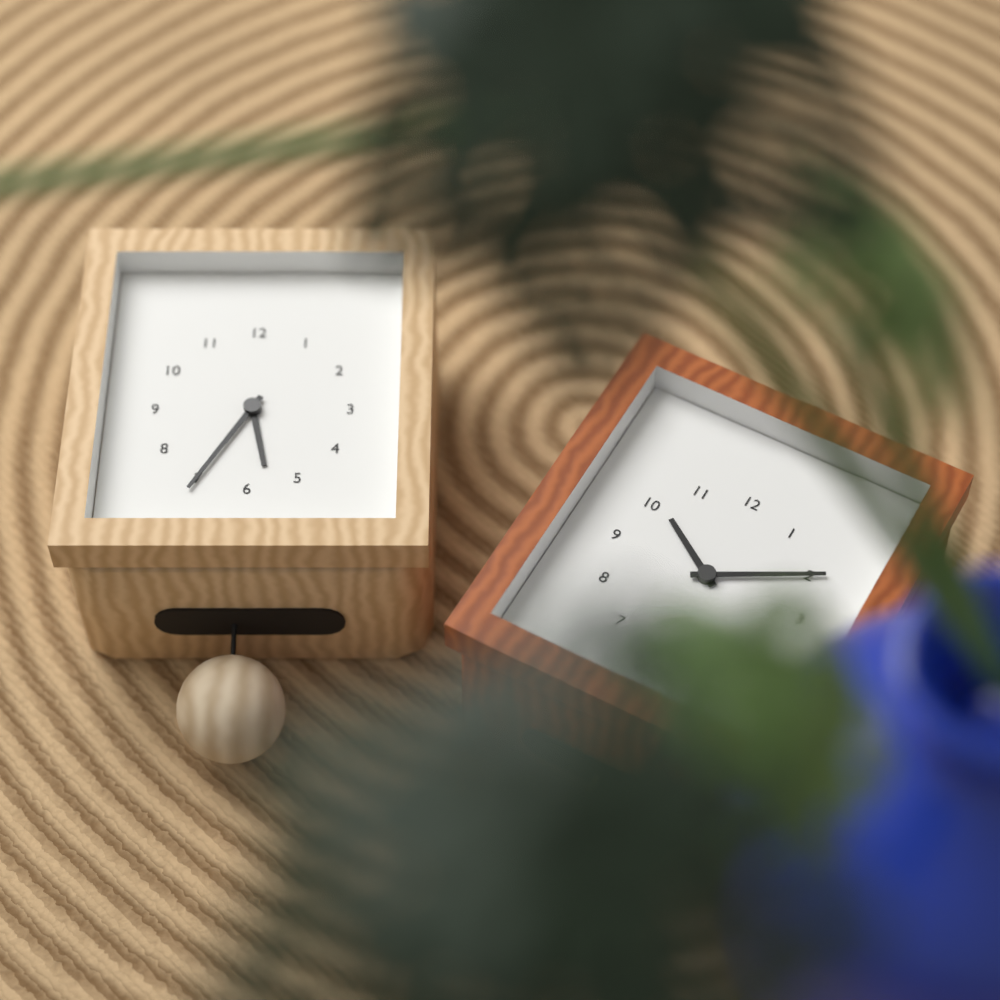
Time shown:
{"hour": 5, "minute": 35}
